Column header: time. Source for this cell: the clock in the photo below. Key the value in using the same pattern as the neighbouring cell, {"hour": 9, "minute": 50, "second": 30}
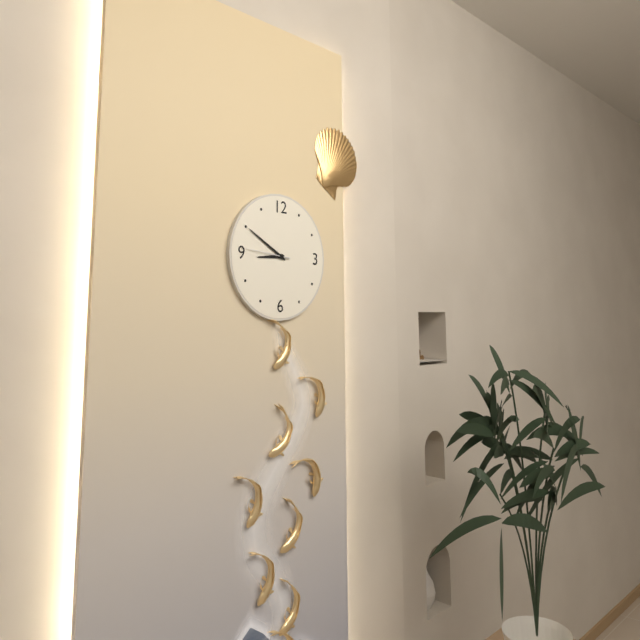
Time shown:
{"hour": 8, "minute": 50, "second": 46}
